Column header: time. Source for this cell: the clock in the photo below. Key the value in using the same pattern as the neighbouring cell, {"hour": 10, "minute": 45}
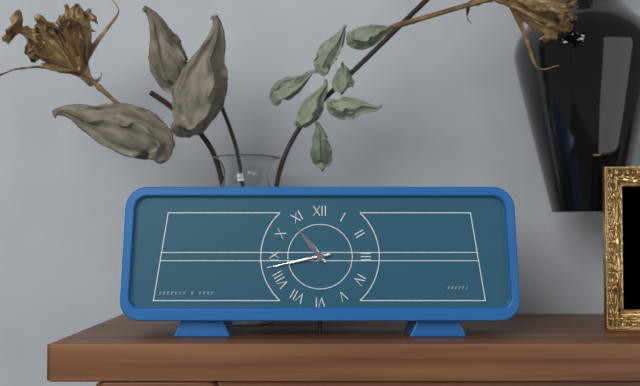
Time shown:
{"hour": 10, "minute": 43}
